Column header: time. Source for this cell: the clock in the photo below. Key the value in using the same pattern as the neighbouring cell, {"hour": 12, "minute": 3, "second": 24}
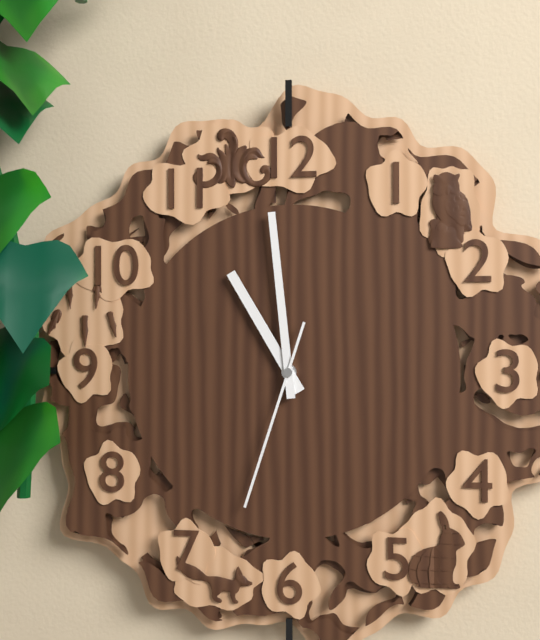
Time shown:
{"hour": 10, "minute": 59, "second": 33}
